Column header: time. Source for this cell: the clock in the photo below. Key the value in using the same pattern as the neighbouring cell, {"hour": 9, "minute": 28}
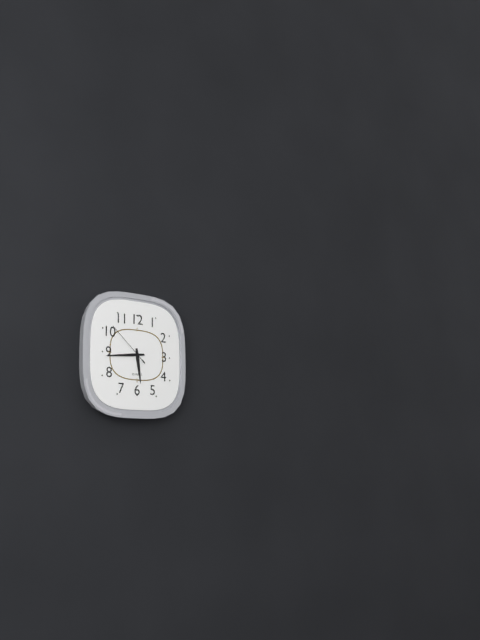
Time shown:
{"hour": 5, "minute": 44}
